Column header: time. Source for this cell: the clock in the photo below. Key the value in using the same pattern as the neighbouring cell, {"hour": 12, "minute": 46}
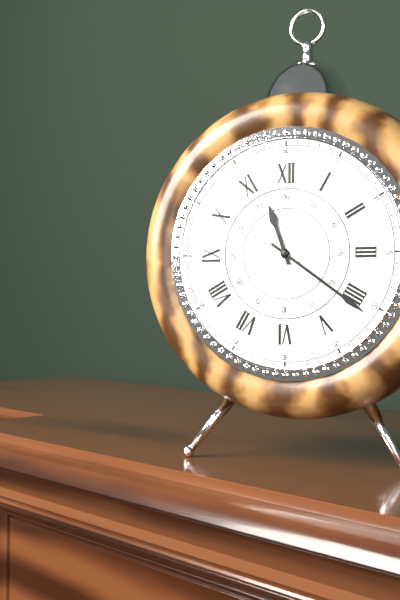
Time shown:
{"hour": 11, "minute": 21}
